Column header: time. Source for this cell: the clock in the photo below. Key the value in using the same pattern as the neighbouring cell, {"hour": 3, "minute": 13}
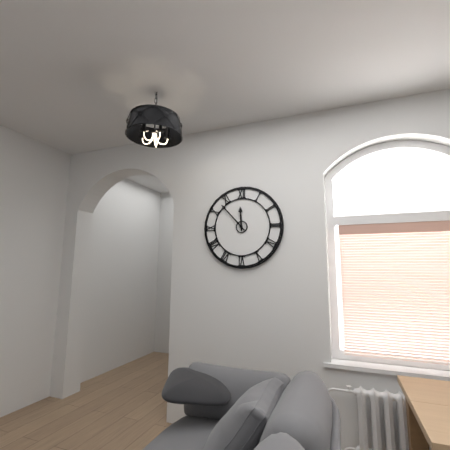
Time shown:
{"hour": 11, "minute": 53}
